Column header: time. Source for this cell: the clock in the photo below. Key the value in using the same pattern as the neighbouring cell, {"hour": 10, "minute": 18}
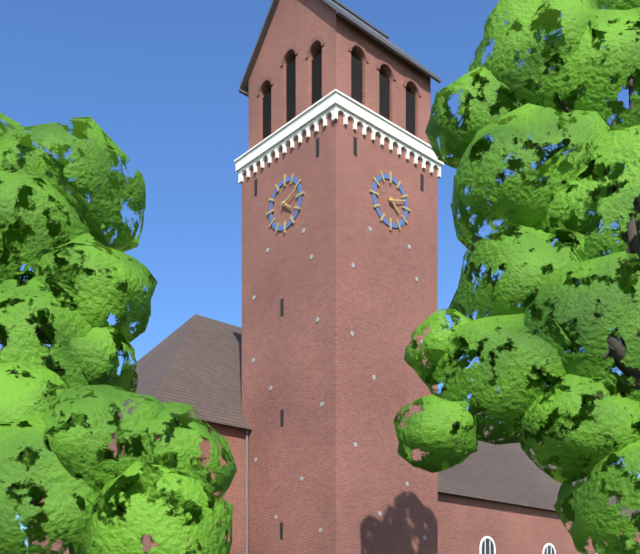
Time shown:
{"hour": 4, "minute": 12}
